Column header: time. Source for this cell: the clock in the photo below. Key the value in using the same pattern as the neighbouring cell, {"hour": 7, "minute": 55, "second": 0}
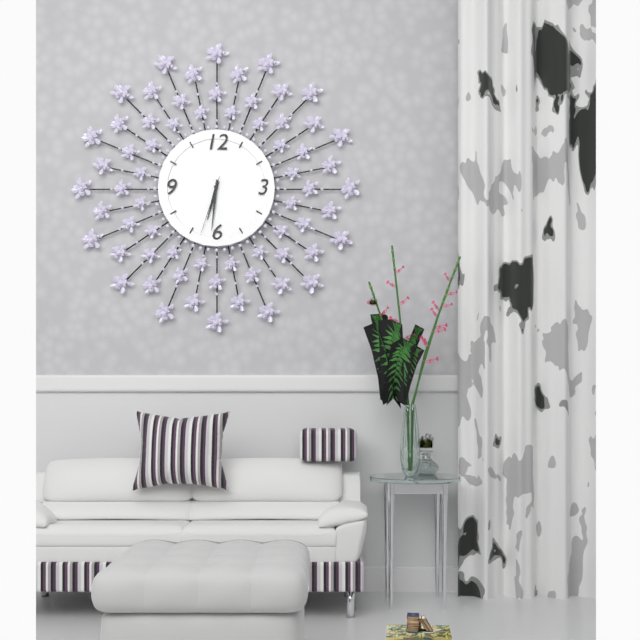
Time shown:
{"hour": 6, "minute": 31, "second": 33}
